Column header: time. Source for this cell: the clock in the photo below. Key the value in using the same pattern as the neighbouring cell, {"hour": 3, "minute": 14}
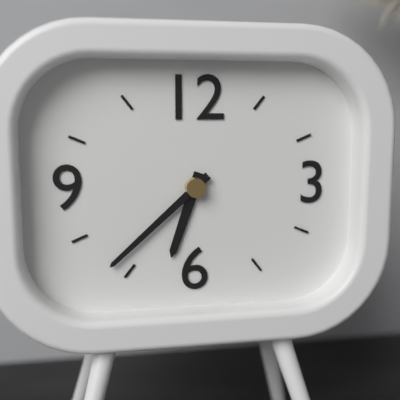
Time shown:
{"hour": 6, "minute": 38}
